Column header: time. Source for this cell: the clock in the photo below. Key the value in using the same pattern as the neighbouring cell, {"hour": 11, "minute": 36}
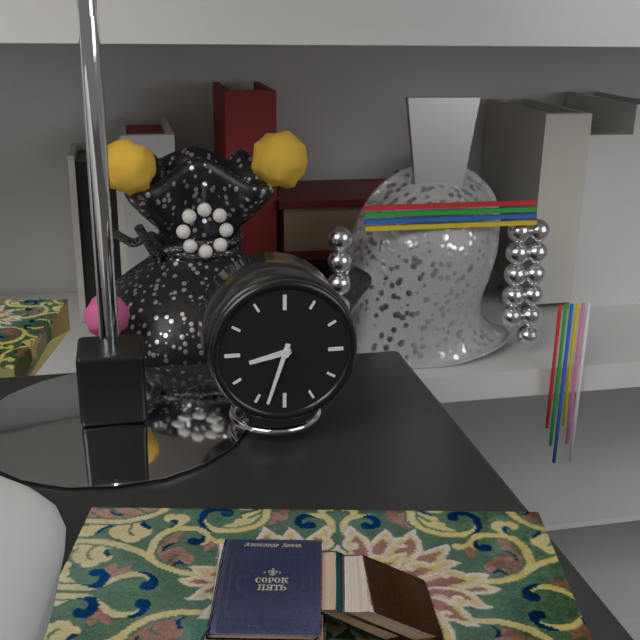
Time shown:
{"hour": 8, "minute": 33}
